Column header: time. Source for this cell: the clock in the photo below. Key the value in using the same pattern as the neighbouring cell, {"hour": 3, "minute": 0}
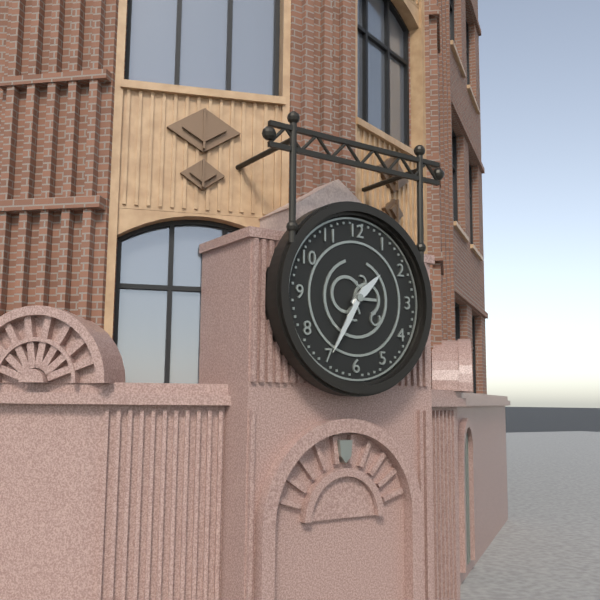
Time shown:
{"hour": 1, "minute": 35}
